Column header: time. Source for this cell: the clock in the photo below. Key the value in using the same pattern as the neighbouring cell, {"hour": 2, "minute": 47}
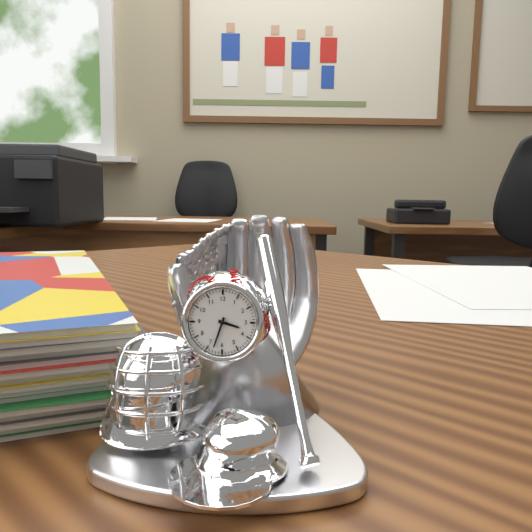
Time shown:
{"hour": 3, "minute": 33}
